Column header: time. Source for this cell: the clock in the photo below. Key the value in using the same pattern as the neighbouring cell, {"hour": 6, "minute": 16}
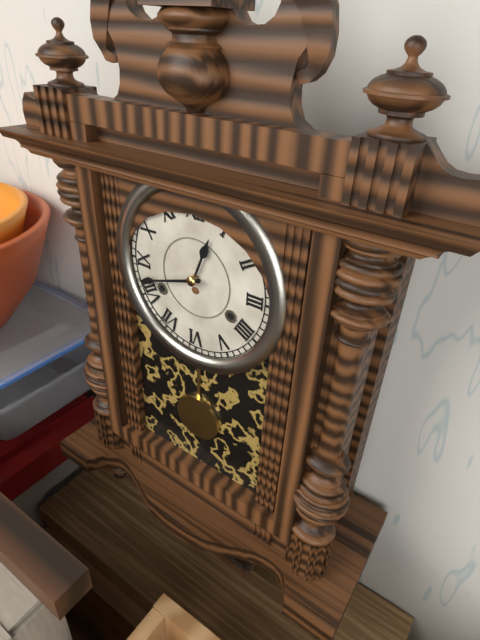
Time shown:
{"hour": 12, "minute": 42}
